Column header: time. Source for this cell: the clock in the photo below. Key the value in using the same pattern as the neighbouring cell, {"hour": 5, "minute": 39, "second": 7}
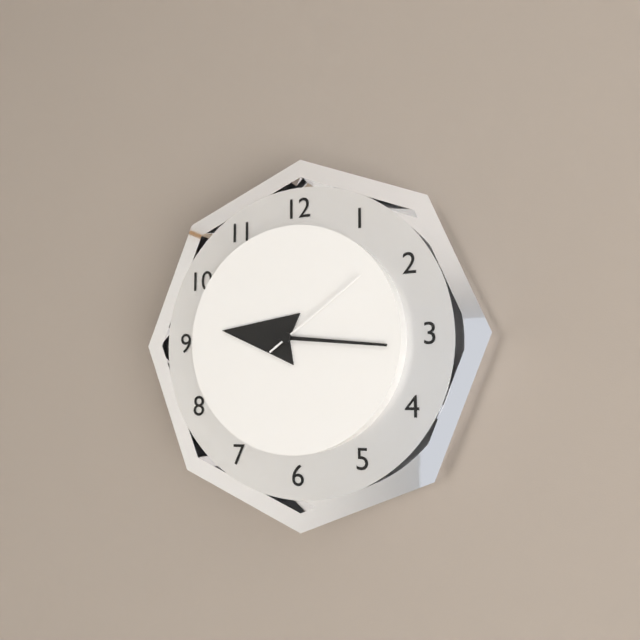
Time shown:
{"hour": 9, "minute": 16, "second": 9}
